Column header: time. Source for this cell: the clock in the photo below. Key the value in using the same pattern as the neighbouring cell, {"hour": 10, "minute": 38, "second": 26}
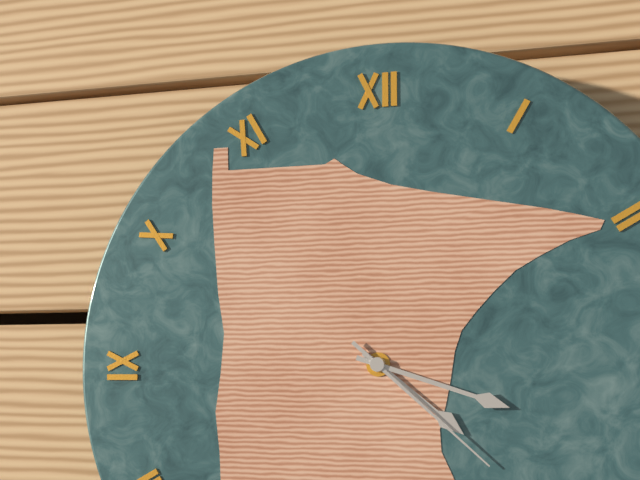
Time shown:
{"hour": 4, "minute": 18, "second": 22}
